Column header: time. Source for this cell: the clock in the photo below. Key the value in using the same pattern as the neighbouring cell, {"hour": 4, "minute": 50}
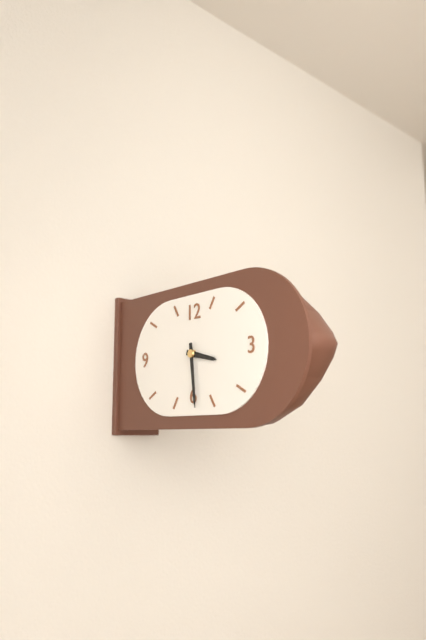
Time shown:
{"hour": 3, "minute": 29}
